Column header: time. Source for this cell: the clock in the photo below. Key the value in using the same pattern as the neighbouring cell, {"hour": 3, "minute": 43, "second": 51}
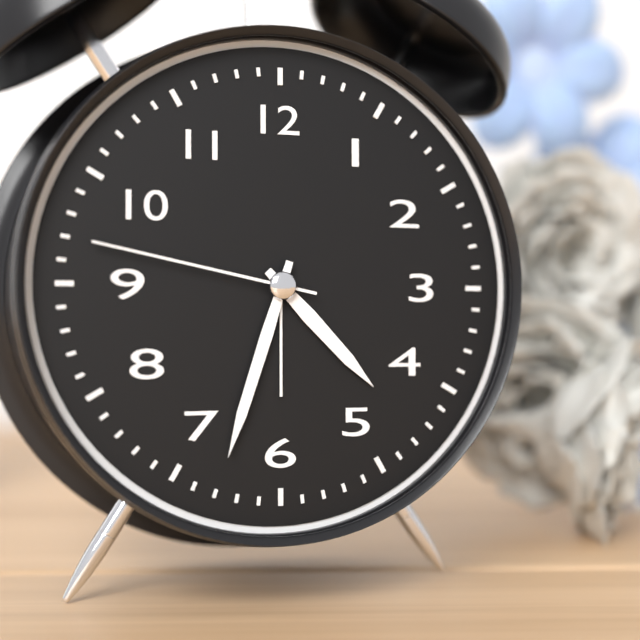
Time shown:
{"hour": 4, "minute": 33, "second": 47}
